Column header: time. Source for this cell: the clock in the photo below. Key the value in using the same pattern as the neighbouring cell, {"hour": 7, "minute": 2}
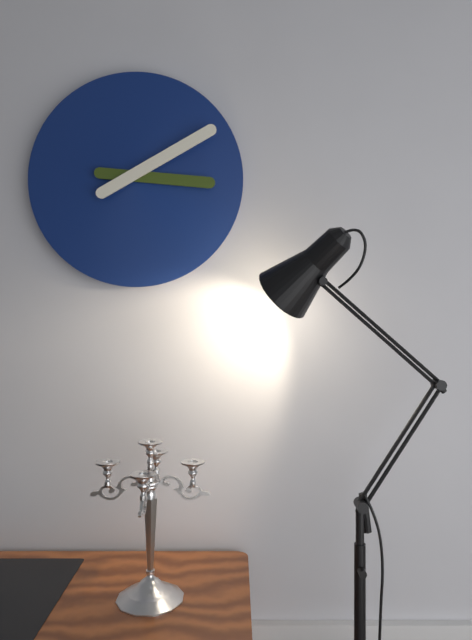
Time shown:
{"hour": 3, "minute": 10}
